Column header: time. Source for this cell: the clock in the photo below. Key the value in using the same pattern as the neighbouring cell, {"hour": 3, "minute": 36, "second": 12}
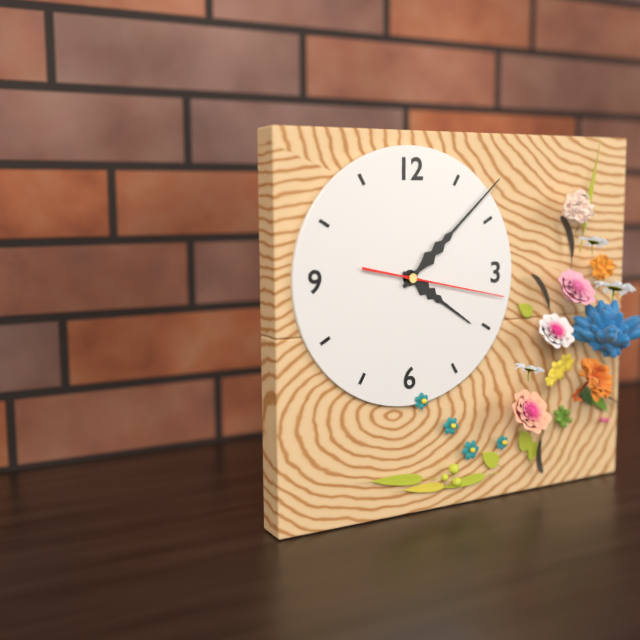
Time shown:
{"hour": 4, "minute": 8, "second": 17}
